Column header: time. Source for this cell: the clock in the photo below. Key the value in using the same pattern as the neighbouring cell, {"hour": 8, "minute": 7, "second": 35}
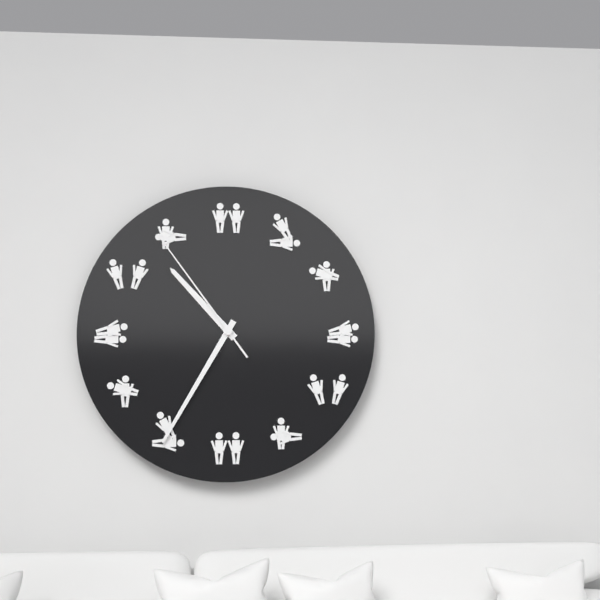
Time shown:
{"hour": 10, "minute": 35, "second": 54}
